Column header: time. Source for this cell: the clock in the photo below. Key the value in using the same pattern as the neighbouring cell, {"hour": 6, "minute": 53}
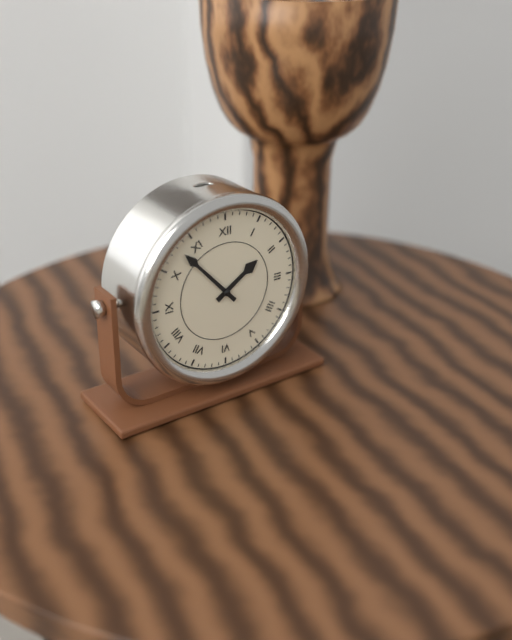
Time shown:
{"hour": 1, "minute": 53}
